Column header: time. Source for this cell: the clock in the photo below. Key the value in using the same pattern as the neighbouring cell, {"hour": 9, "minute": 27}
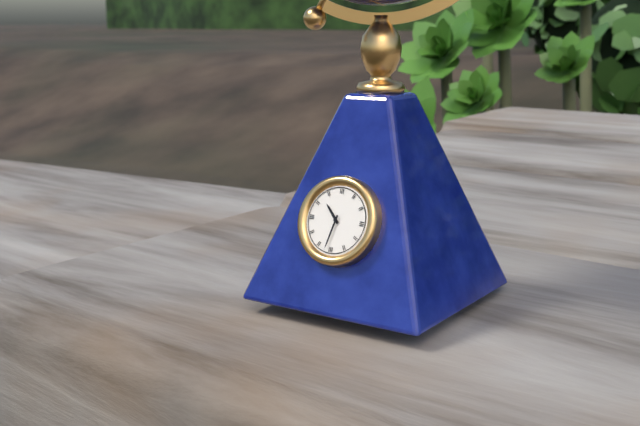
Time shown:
{"hour": 10, "minute": 32}
